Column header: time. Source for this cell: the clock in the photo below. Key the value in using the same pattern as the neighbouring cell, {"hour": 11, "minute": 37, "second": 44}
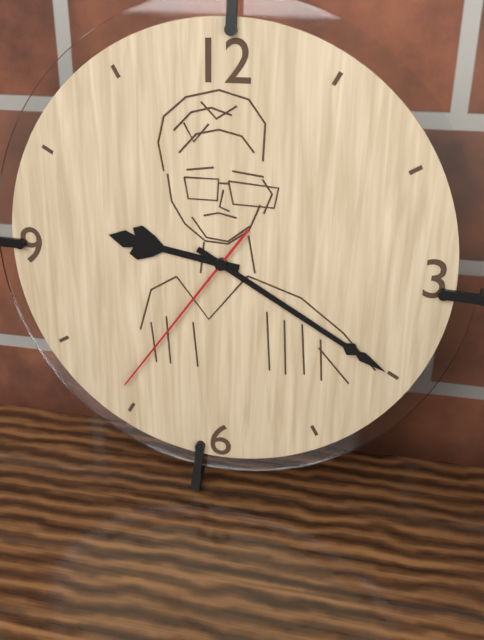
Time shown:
{"hour": 9, "minute": 20, "second": 36}
